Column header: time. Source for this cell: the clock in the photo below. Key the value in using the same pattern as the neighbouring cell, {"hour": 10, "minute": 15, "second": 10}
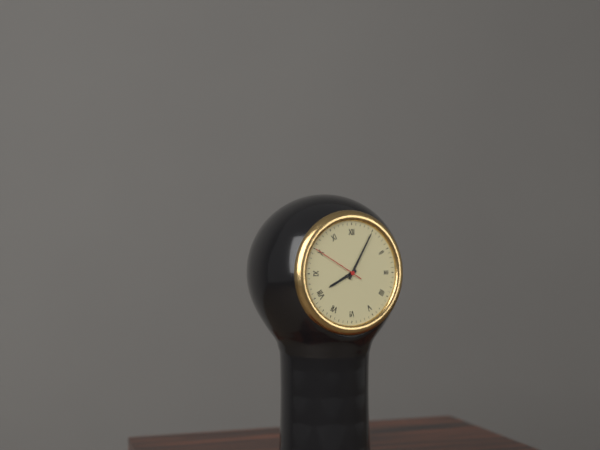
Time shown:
{"hour": 8, "minute": 5, "second": 50}
